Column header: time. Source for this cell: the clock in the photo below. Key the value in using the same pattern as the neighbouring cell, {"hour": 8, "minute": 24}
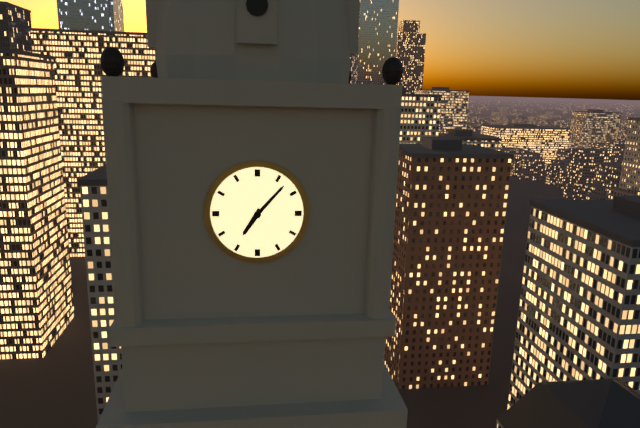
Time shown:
{"hour": 7, "minute": 7}
